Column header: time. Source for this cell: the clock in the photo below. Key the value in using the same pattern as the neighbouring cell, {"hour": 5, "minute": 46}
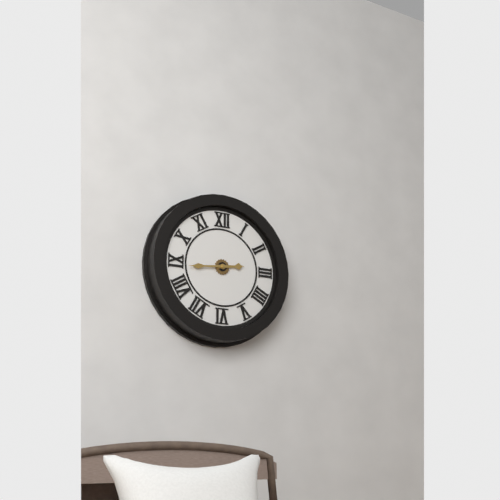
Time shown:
{"hour": 2, "minute": 44}
